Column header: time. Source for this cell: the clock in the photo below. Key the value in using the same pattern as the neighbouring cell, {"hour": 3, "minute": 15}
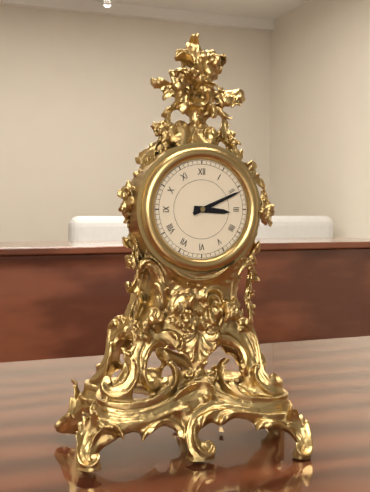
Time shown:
{"hour": 3, "minute": 11}
